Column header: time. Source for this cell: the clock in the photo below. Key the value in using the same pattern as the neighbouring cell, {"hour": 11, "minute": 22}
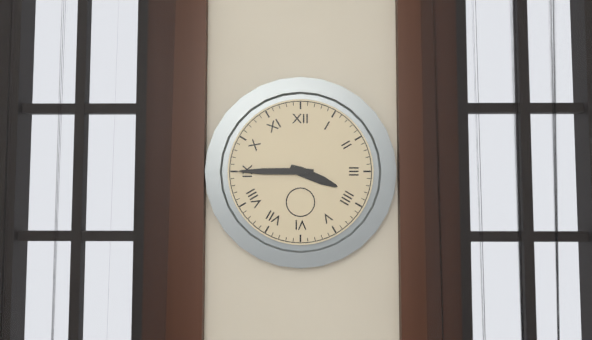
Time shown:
{"hour": 3, "minute": 45}
